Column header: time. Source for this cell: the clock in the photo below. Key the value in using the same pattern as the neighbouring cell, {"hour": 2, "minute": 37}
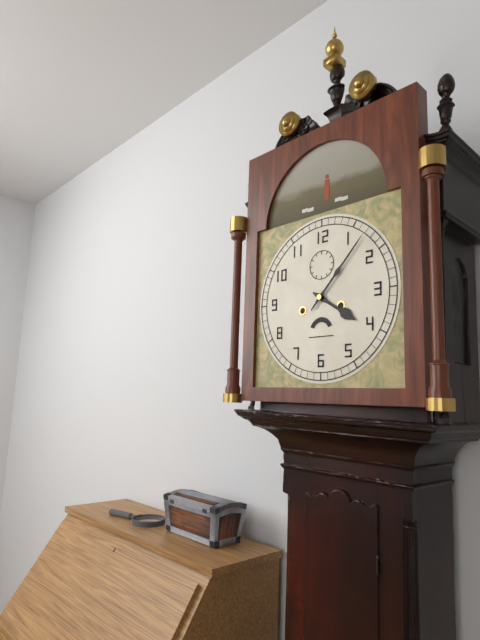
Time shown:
{"hour": 4, "minute": 7}
